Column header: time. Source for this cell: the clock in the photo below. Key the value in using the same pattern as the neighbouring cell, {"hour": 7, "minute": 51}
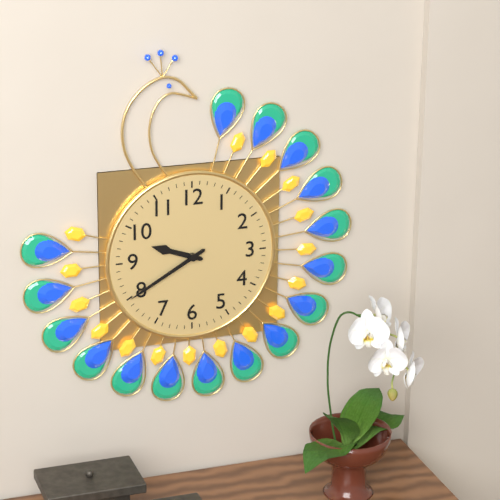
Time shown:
{"hour": 9, "minute": 40}
